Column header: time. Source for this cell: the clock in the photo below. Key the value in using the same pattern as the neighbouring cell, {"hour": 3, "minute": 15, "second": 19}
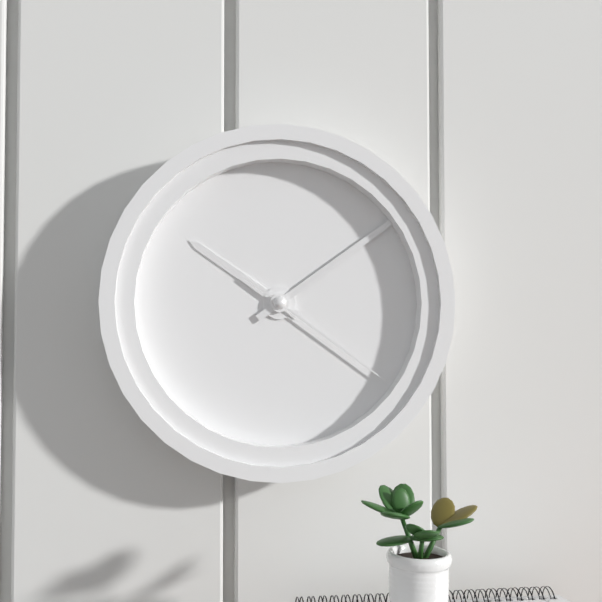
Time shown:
{"hour": 10, "minute": 9, "second": 21}
